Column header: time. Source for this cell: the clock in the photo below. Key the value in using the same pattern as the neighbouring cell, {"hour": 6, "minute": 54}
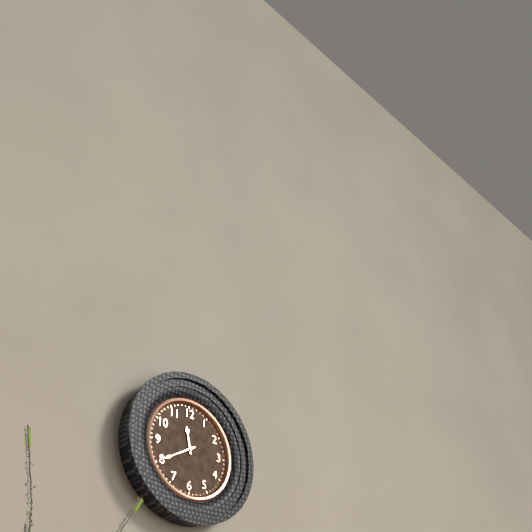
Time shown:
{"hour": 11, "minute": 40}
